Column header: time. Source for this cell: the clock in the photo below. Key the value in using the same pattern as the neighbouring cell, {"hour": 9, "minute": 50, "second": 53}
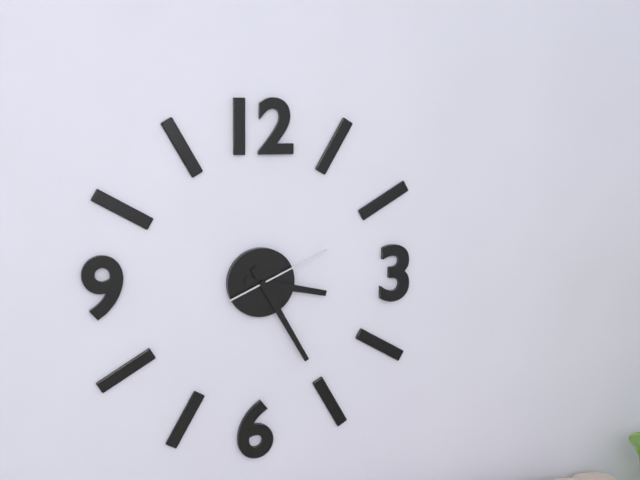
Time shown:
{"hour": 3, "minute": 25, "second": 11}
